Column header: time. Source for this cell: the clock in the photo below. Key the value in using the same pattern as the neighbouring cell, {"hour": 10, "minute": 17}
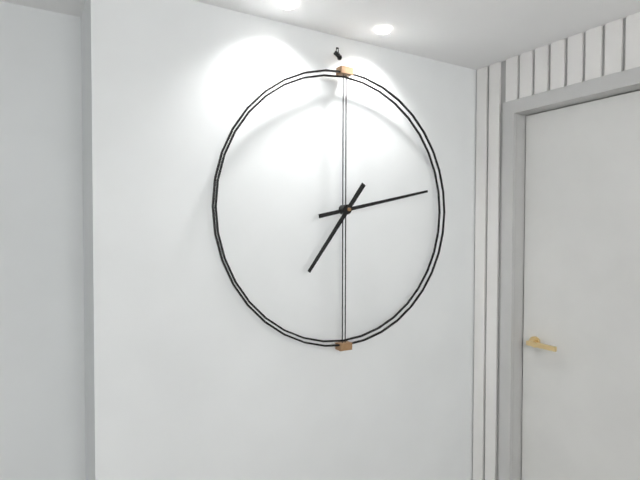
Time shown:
{"hour": 7, "minute": 13}
